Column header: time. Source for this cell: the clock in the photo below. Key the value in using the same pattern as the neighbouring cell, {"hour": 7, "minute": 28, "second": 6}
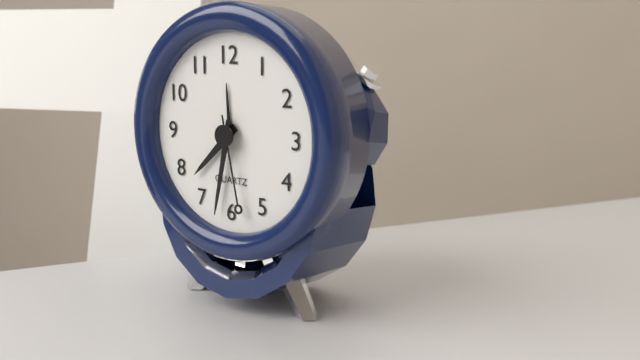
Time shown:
{"hour": 7, "minute": 32, "second": 28}
